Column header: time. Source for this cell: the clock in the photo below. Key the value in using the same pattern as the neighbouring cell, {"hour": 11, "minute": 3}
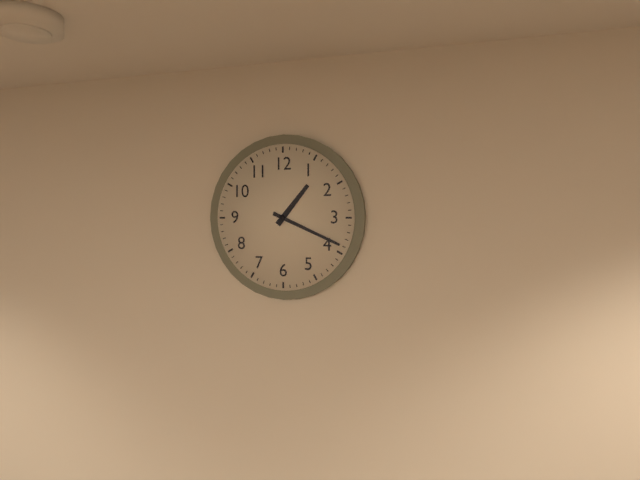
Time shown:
{"hour": 1, "minute": 19}
